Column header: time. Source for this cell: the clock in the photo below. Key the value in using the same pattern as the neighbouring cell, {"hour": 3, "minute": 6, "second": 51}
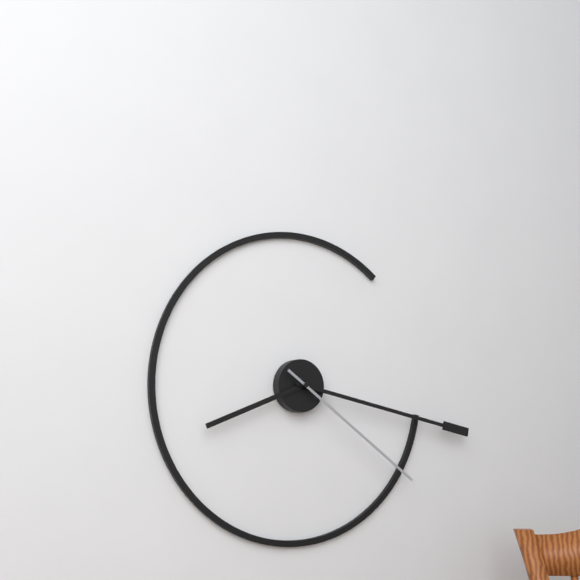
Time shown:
{"hour": 8, "minute": 17, "second": 21}
